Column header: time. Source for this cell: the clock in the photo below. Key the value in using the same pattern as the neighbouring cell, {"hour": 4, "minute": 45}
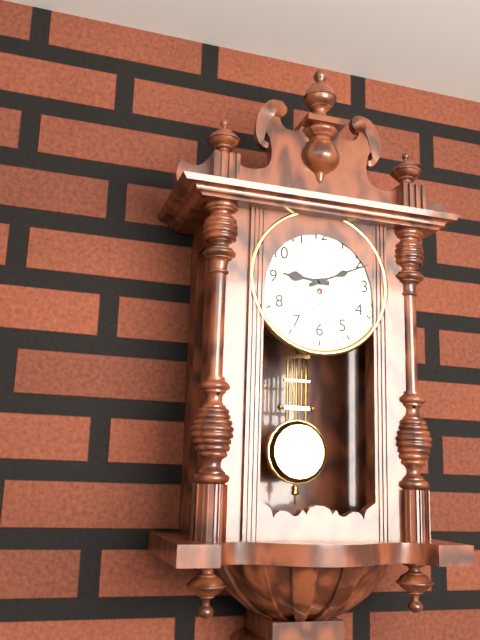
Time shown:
{"hour": 9, "minute": 11}
